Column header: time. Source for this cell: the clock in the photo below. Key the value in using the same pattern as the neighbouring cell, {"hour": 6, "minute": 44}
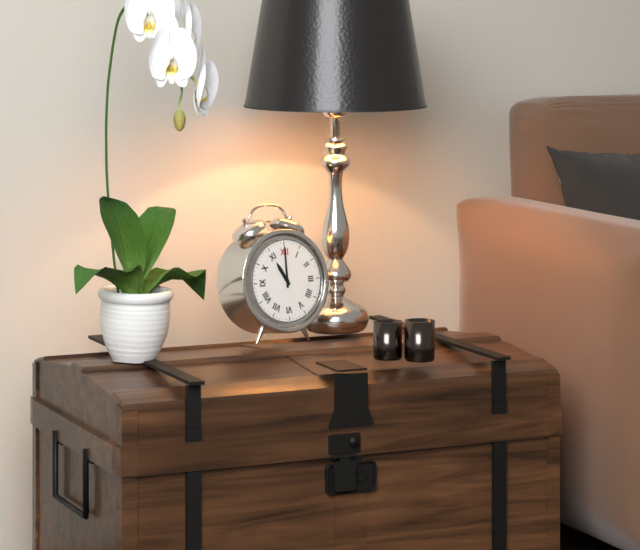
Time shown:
{"hour": 11, "minute": 0}
